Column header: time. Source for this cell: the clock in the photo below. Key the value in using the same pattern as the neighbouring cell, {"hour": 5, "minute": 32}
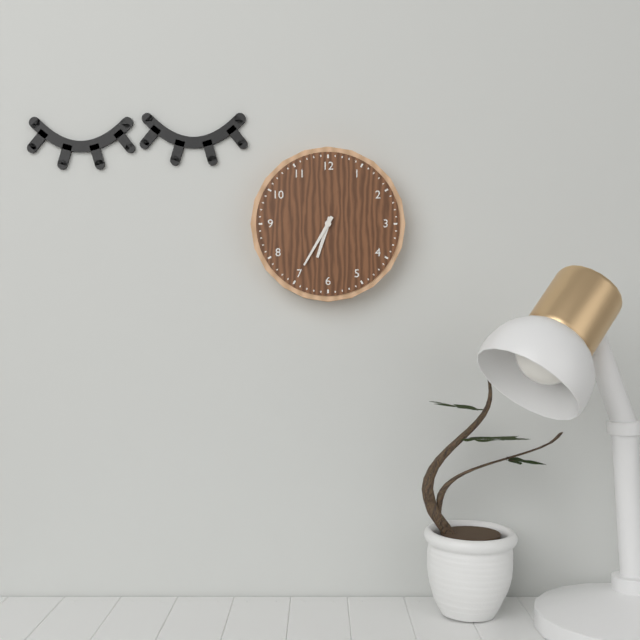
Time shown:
{"hour": 6, "minute": 35}
